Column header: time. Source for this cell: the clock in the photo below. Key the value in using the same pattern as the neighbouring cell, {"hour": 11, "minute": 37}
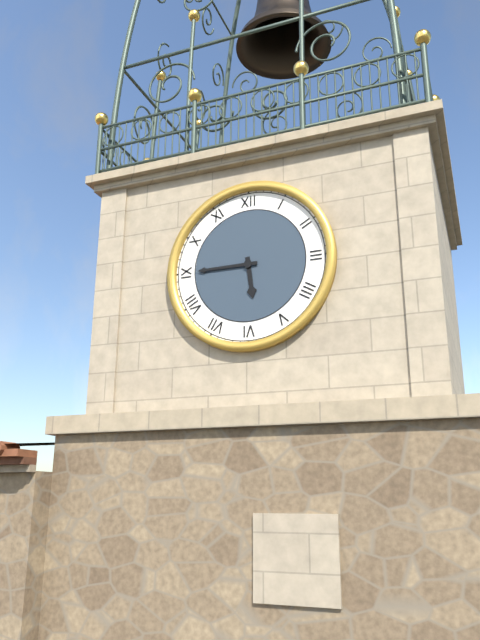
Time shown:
{"hour": 5, "minute": 45}
